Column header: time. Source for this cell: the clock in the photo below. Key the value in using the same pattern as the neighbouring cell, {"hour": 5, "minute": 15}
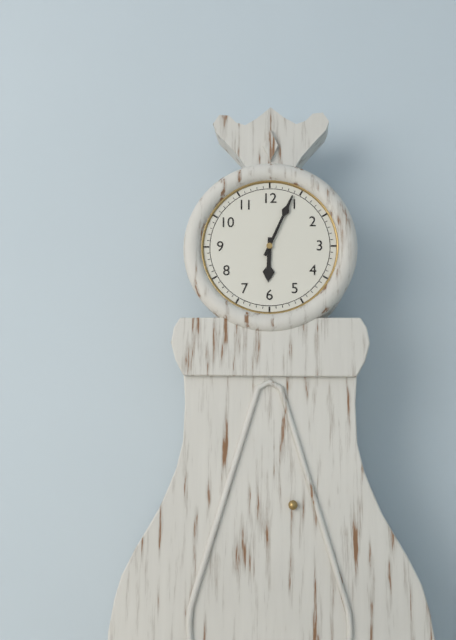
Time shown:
{"hour": 6, "minute": 4}
